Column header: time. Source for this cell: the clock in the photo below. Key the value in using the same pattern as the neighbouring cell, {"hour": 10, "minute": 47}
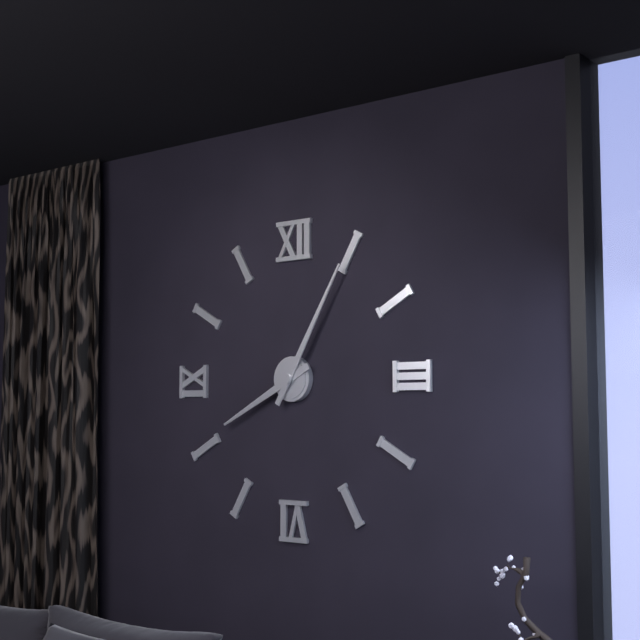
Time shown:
{"hour": 8, "minute": 5}
